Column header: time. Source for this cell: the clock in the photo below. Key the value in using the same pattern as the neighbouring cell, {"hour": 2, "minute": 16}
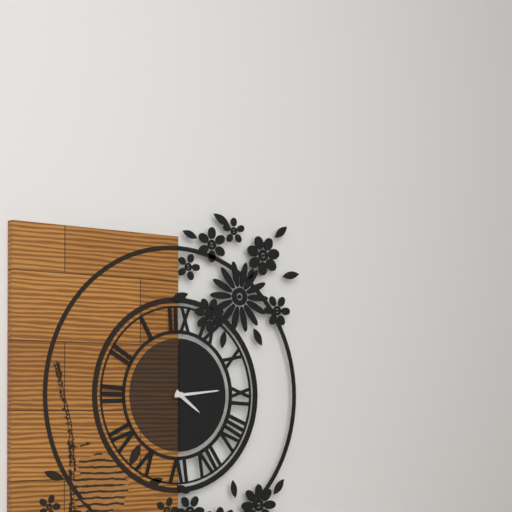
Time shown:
{"hour": 4, "minute": 14}
